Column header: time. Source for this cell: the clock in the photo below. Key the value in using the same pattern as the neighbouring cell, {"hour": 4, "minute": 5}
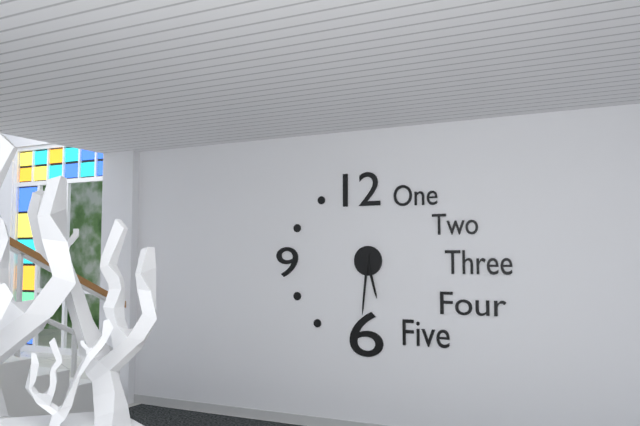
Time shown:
{"hour": 5, "minute": 31}
